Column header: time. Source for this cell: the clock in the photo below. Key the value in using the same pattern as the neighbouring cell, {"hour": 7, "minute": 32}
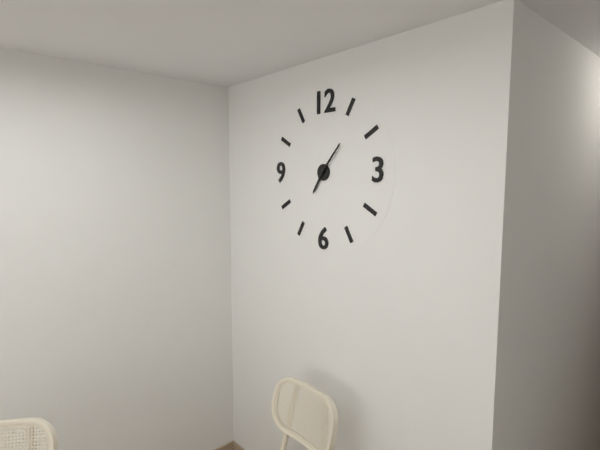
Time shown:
{"hour": 7, "minute": 7}
